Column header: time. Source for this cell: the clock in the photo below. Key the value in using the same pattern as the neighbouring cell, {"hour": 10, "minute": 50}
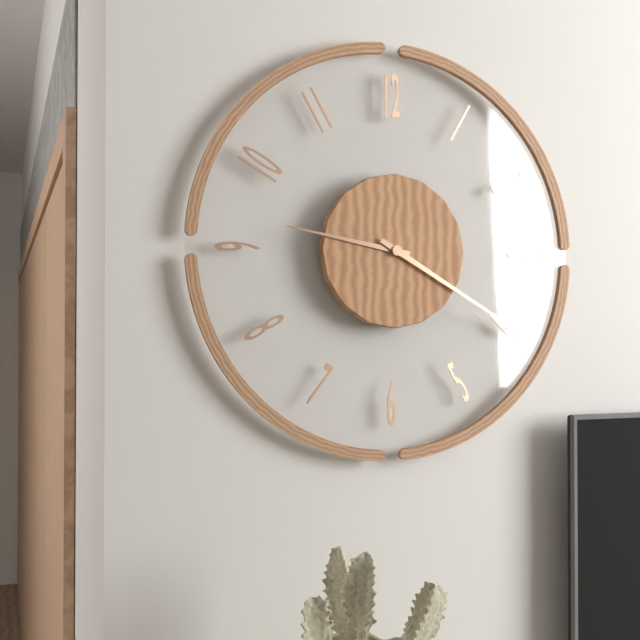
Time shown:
{"hour": 9, "minute": 20}
